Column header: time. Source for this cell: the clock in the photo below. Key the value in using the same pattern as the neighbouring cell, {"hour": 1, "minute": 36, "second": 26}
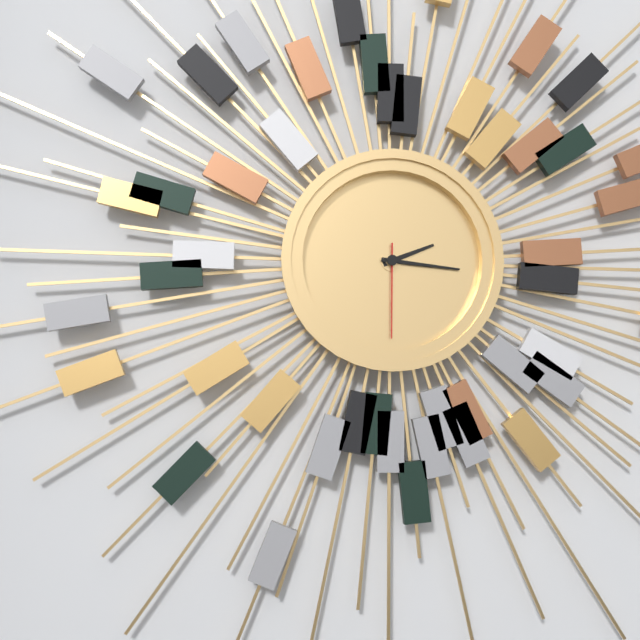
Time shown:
{"hour": 2, "minute": 16, "second": 30}
